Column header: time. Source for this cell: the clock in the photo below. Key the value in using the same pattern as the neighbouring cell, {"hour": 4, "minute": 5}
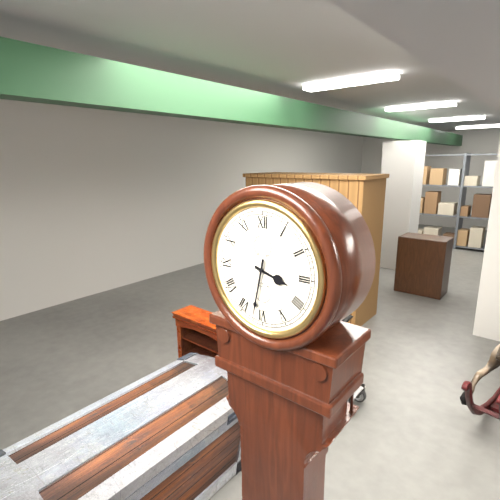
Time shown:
{"hour": 3, "minute": 32}
